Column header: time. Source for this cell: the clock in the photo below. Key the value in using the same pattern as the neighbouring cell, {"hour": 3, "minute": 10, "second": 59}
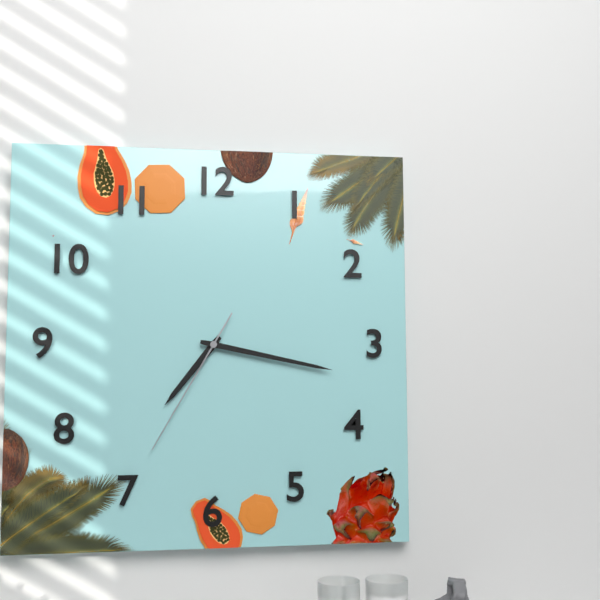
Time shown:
{"hour": 7, "minute": 17, "second": 35}
